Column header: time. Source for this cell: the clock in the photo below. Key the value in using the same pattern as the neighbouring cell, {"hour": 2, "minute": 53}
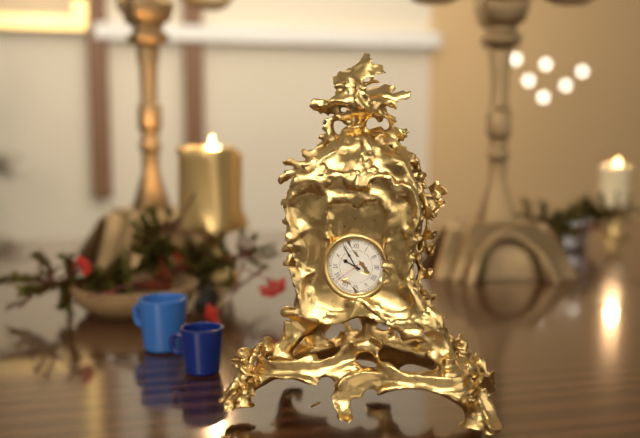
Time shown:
{"hour": 9, "minute": 55}
